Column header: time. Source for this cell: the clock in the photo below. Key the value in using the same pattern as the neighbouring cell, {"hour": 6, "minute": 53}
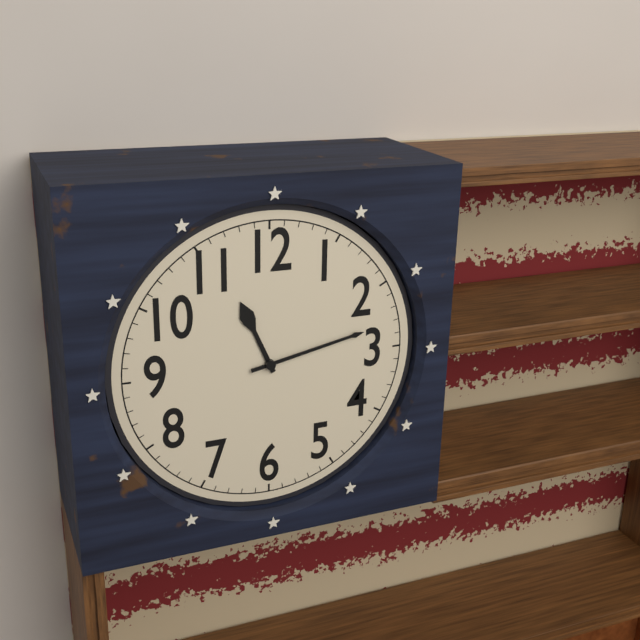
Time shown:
{"hour": 11, "minute": 13}
